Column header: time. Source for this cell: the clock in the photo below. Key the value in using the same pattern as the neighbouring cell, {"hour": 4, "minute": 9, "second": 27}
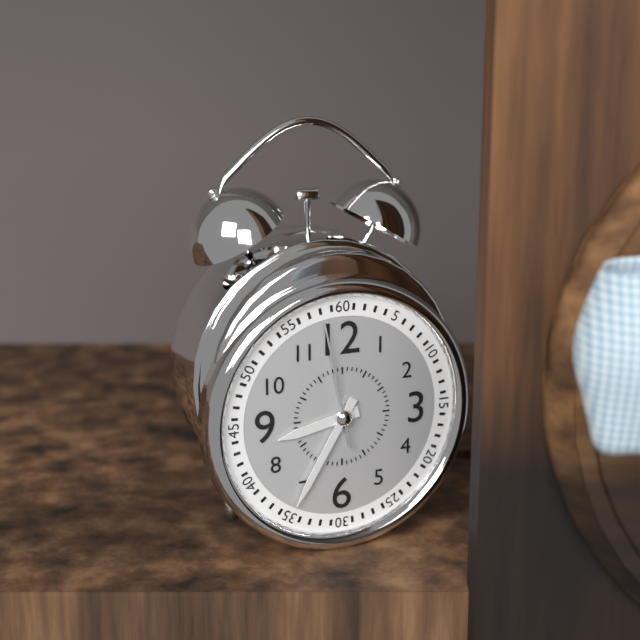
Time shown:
{"hour": 8, "minute": 35, "second": 58}
